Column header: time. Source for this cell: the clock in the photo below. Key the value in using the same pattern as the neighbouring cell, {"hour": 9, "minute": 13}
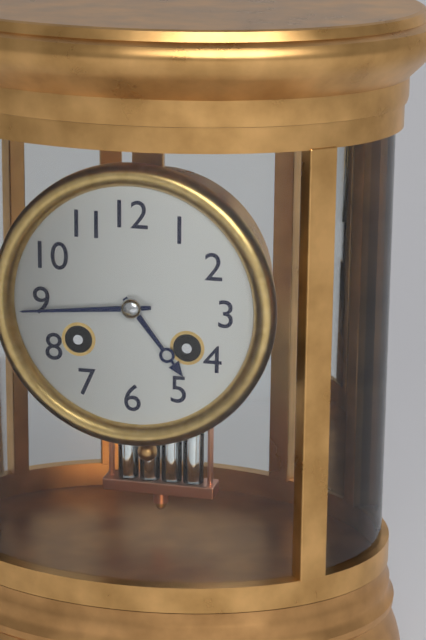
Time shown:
{"hour": 4, "minute": 44}
